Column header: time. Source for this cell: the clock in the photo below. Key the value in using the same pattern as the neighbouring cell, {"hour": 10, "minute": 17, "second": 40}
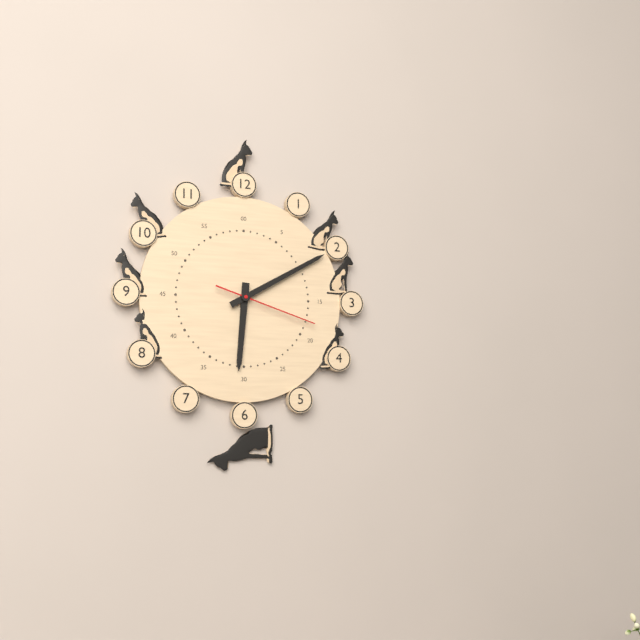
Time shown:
{"hour": 6, "minute": 10, "second": 18}
